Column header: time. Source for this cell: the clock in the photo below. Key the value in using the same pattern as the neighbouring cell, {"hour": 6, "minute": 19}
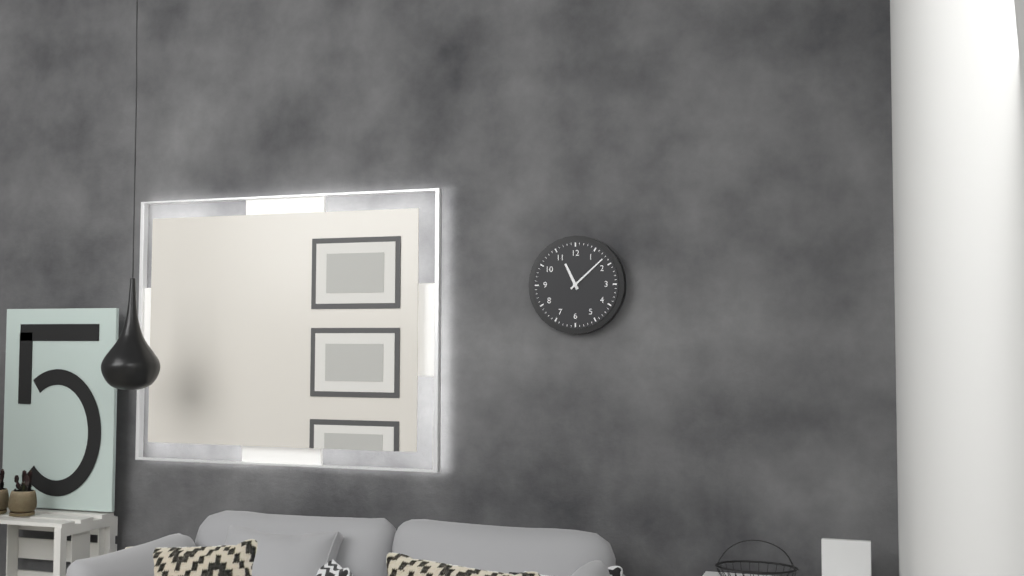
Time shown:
{"hour": 11, "minute": 8}
